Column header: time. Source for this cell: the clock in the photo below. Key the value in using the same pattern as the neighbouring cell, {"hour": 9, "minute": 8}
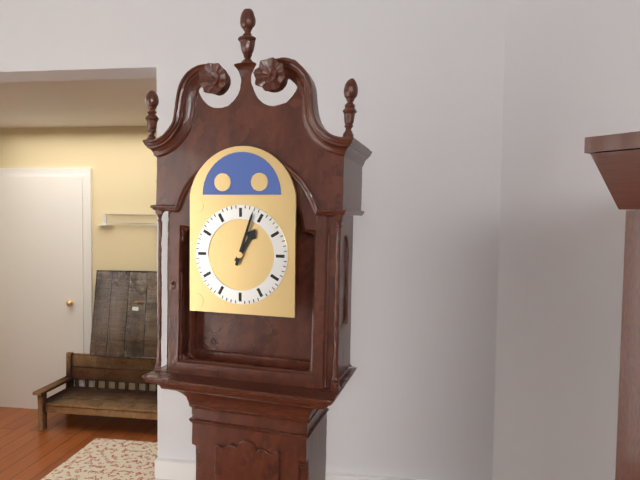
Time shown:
{"hour": 1, "minute": 3}
